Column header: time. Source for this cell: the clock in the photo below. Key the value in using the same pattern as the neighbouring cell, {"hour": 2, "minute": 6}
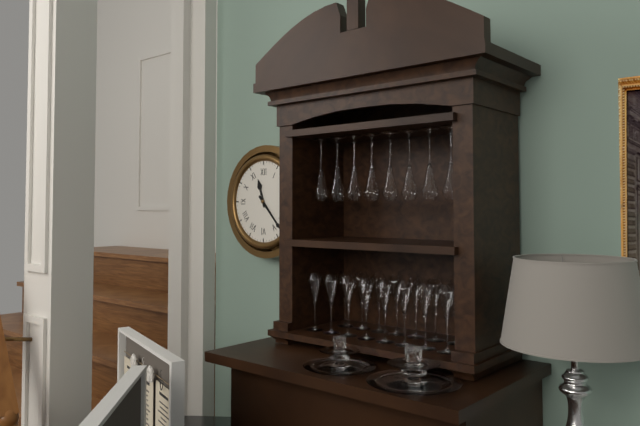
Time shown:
{"hour": 11, "minute": 23}
